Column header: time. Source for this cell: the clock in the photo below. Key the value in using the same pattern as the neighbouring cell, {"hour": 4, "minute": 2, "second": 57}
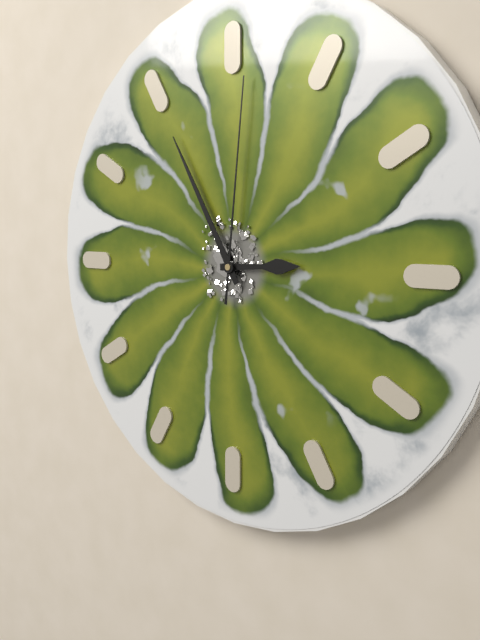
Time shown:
{"hour": 2, "minute": 55, "second": 1}
